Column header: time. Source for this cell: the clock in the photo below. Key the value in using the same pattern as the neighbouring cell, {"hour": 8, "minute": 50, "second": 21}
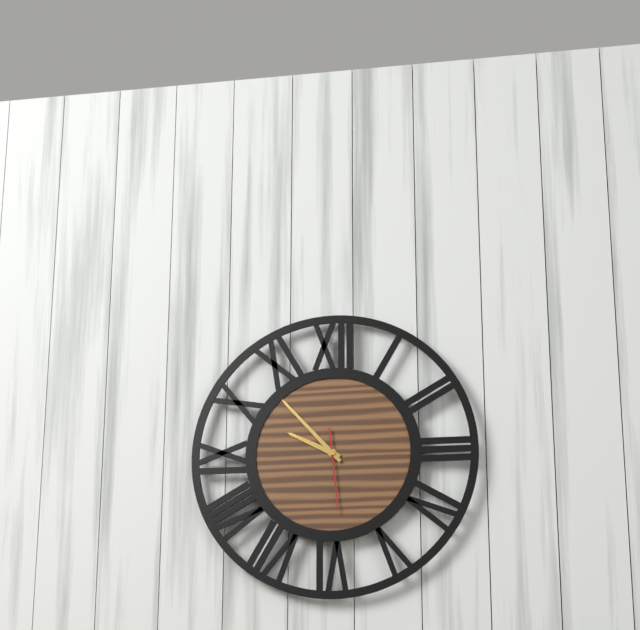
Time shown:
{"hour": 9, "minute": 53, "second": 29}
